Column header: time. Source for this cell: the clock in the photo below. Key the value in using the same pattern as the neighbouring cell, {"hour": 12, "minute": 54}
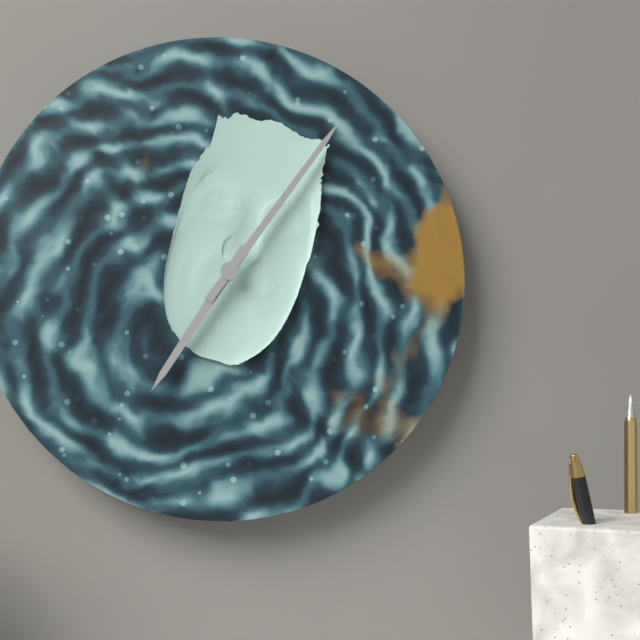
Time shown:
{"hour": 7, "minute": 6}
